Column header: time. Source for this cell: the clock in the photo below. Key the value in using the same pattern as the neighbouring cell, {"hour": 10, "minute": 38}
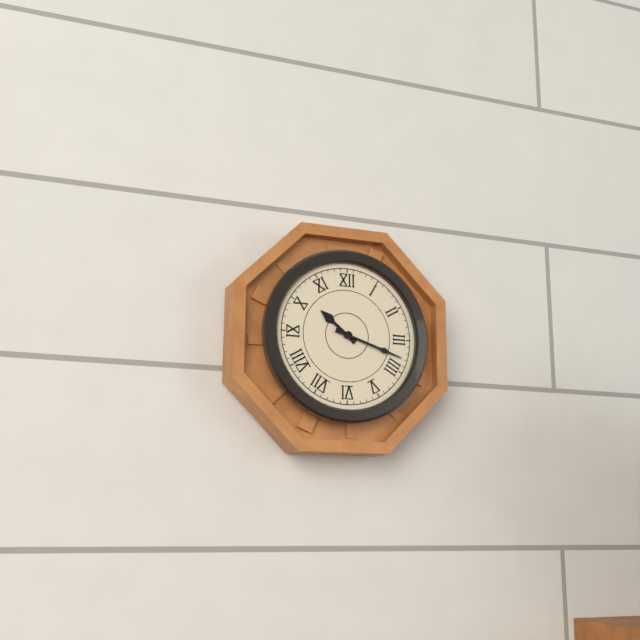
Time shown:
{"hour": 10, "minute": 18}
